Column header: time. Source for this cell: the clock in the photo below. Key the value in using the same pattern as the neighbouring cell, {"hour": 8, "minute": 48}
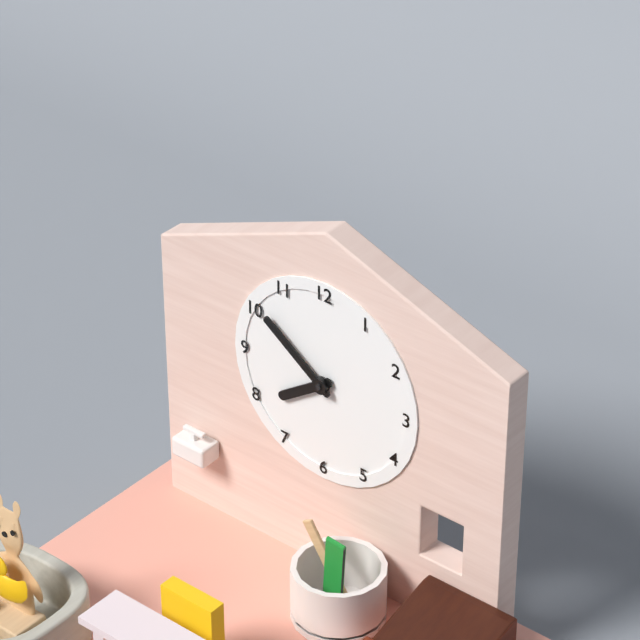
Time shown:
{"hour": 7, "minute": 51}
